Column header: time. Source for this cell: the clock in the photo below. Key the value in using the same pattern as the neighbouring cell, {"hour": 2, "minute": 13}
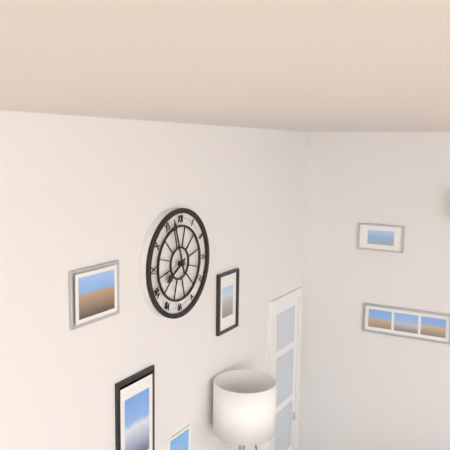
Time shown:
{"hour": 7, "minute": 57}
